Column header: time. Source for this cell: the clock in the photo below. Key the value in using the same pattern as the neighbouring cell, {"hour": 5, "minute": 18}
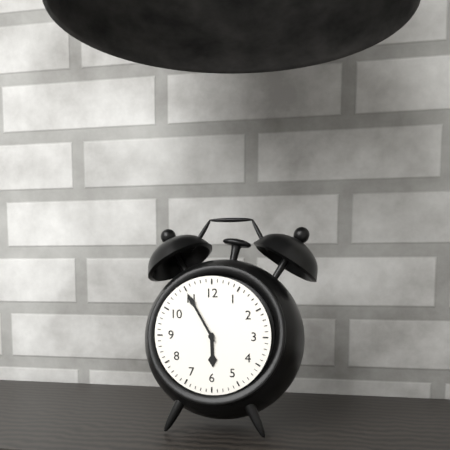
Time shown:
{"hour": 5, "minute": 55}
